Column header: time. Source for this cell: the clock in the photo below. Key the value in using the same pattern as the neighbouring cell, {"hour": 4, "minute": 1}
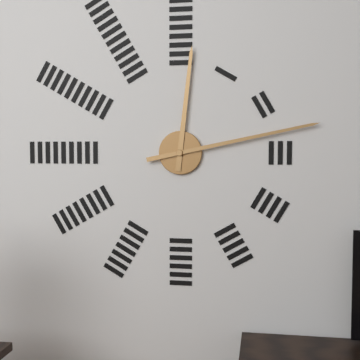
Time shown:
{"hour": 12, "minute": 13}
